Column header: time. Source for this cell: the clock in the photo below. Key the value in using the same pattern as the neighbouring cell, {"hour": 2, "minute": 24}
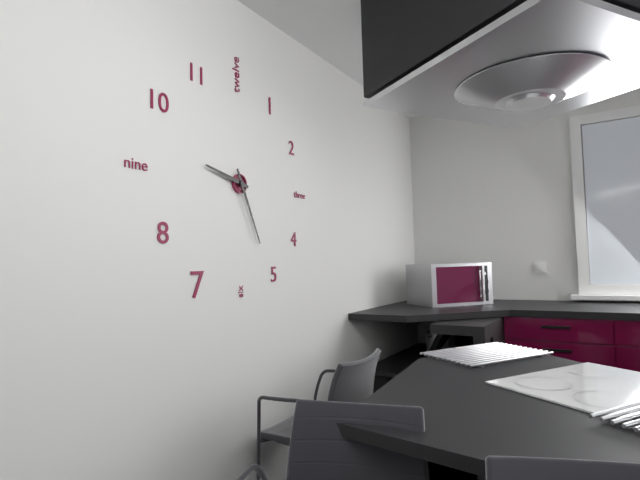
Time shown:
{"hour": 9, "minute": 26}
